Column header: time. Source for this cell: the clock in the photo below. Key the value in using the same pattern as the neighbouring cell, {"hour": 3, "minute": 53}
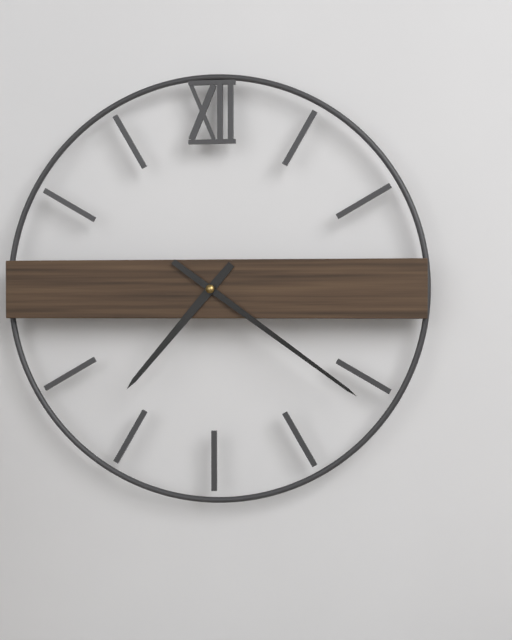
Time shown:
{"hour": 7, "minute": 21}
